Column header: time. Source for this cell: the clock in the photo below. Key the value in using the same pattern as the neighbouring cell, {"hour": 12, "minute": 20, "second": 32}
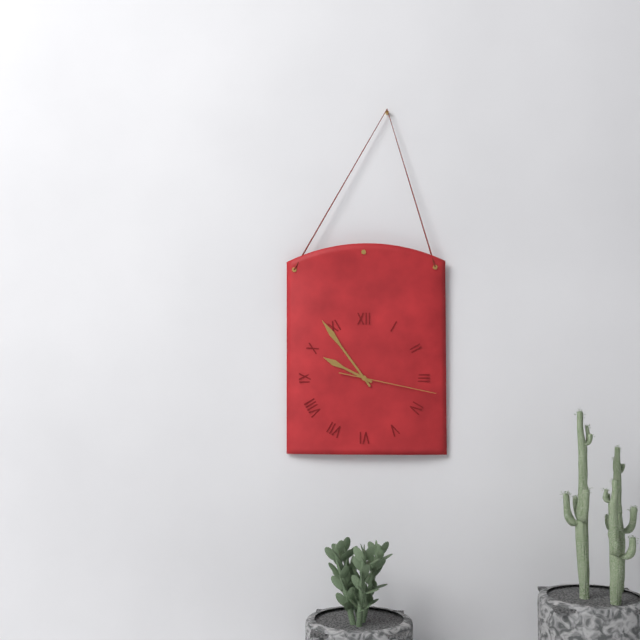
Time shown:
{"hour": 9, "minute": 54, "second": 17}
